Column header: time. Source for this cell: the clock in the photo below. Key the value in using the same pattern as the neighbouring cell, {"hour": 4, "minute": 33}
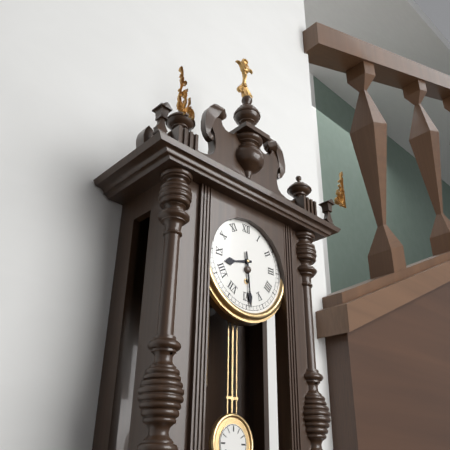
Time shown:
{"hour": 8, "minute": 29}
